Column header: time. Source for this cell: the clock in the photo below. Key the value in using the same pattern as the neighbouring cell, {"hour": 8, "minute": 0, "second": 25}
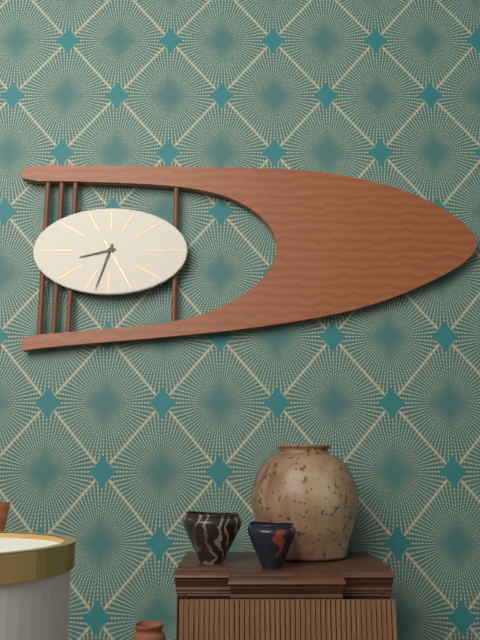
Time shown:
{"hour": 8, "minute": 33, "second": 25}
